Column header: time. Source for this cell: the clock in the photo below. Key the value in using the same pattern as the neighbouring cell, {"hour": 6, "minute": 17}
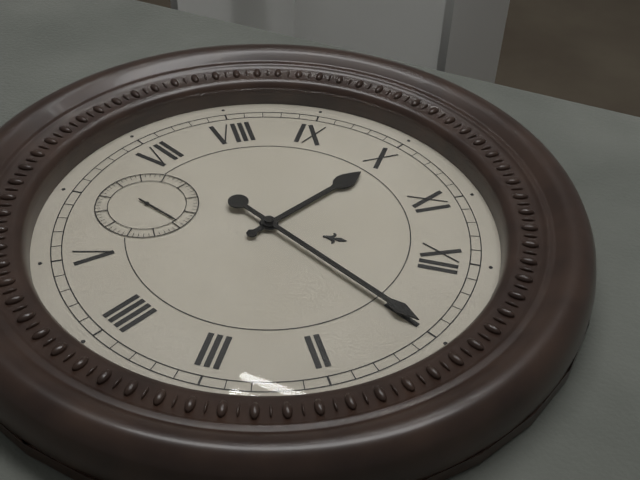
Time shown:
{"hour": 10, "minute": 5}
